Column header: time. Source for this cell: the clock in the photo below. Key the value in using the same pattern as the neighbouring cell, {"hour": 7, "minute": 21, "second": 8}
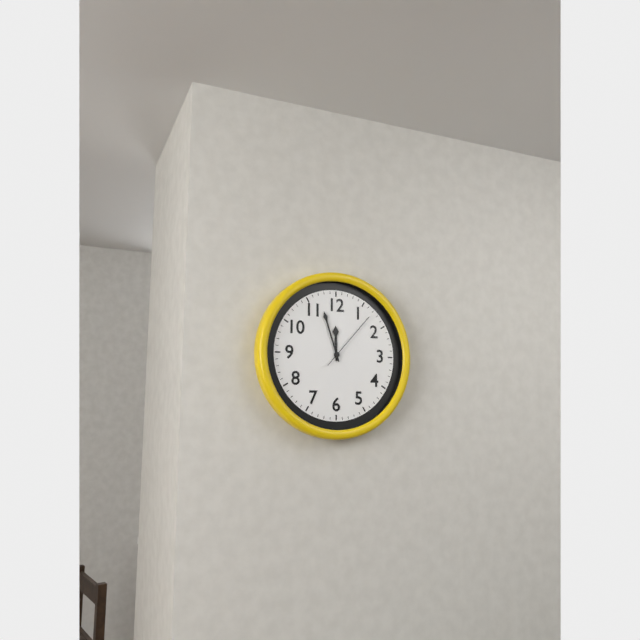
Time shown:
{"hour": 11, "minute": 57, "second": 7}
